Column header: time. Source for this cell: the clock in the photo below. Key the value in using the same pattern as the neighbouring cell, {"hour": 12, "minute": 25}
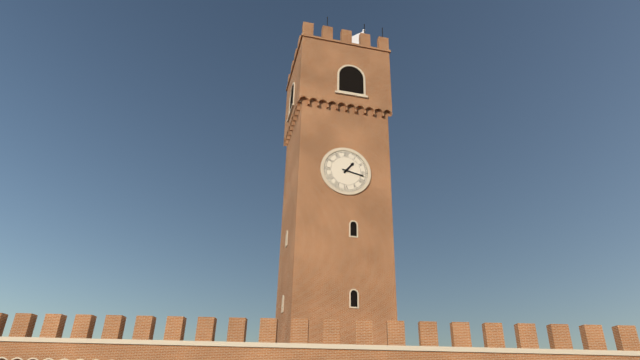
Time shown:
{"hour": 1, "minute": 17}
